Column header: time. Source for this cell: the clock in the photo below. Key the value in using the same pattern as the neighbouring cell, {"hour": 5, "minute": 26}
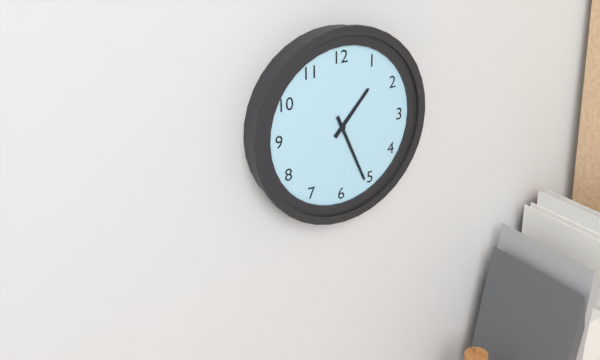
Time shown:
{"hour": 1, "minute": 26}
